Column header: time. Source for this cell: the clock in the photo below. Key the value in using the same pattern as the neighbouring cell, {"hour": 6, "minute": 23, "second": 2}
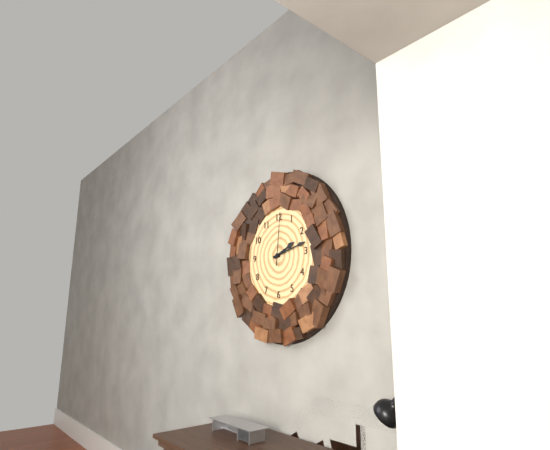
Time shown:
{"hour": 2, "minute": 13, "second": 1}
